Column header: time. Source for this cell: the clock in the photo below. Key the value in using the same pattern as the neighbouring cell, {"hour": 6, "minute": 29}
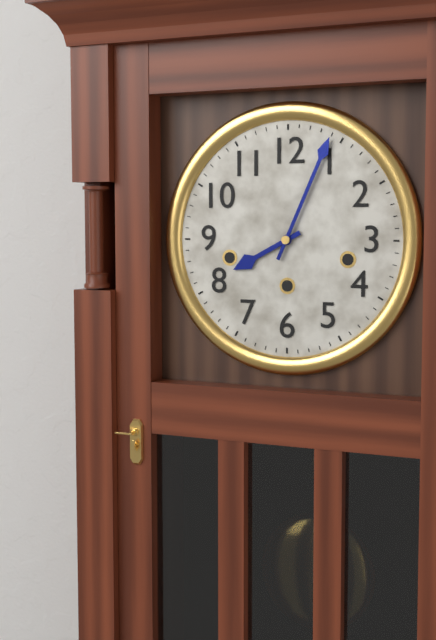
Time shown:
{"hour": 8, "minute": 4}
